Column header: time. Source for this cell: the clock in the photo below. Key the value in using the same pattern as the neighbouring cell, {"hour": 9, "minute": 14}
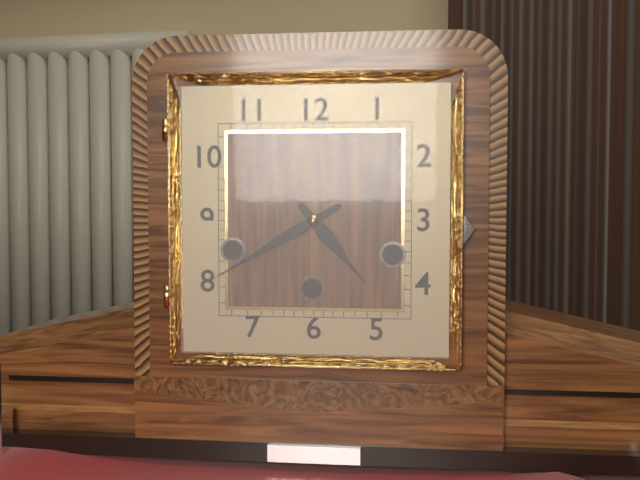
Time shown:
{"hour": 4, "minute": 40}
